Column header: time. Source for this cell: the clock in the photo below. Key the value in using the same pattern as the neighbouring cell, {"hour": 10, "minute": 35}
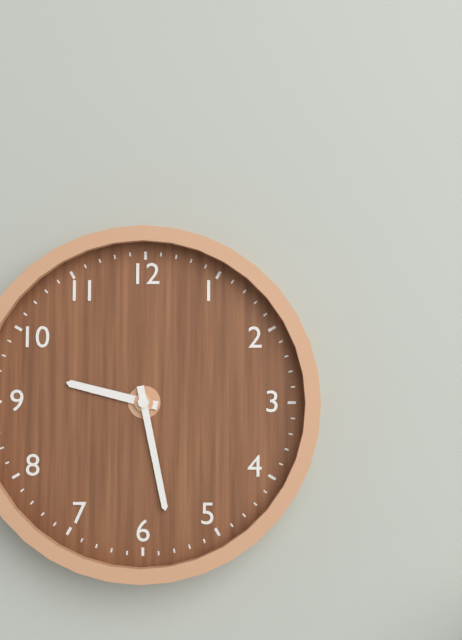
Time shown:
{"hour": 9, "minute": 28}
